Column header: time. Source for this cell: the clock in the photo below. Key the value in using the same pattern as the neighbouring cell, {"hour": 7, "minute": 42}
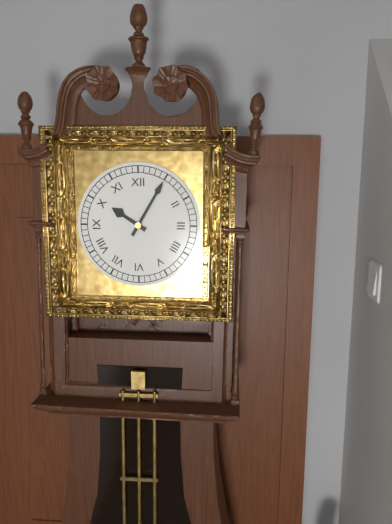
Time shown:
{"hour": 10, "minute": 5}
